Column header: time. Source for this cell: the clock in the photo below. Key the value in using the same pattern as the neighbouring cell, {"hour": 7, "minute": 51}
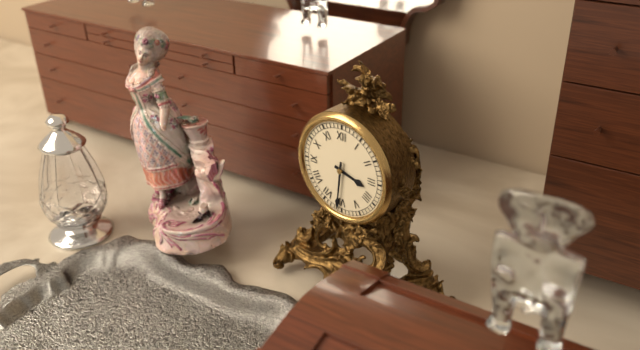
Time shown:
{"hour": 3, "minute": 31}
